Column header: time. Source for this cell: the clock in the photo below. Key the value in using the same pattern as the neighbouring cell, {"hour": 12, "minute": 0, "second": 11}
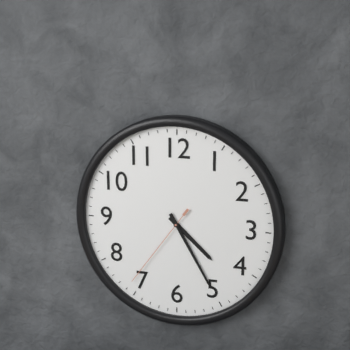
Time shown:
{"hour": 4, "minute": 25, "second": 36}
